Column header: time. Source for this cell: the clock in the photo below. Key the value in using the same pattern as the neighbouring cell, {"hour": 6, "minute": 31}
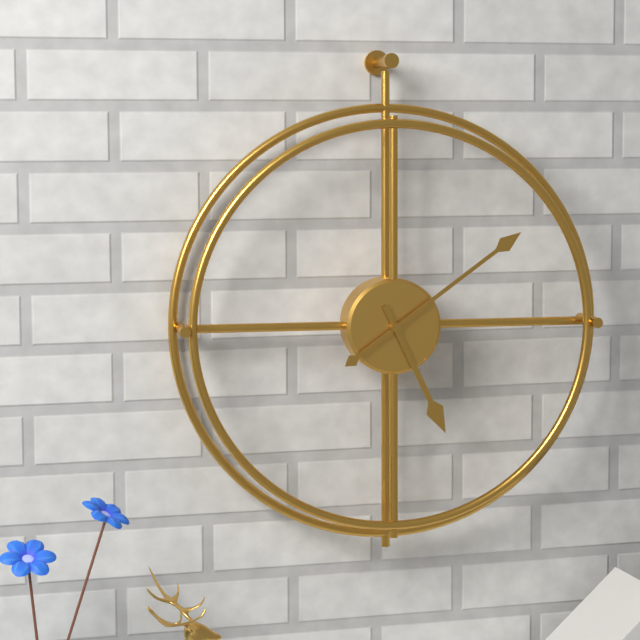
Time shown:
{"hour": 5, "minute": 9}
